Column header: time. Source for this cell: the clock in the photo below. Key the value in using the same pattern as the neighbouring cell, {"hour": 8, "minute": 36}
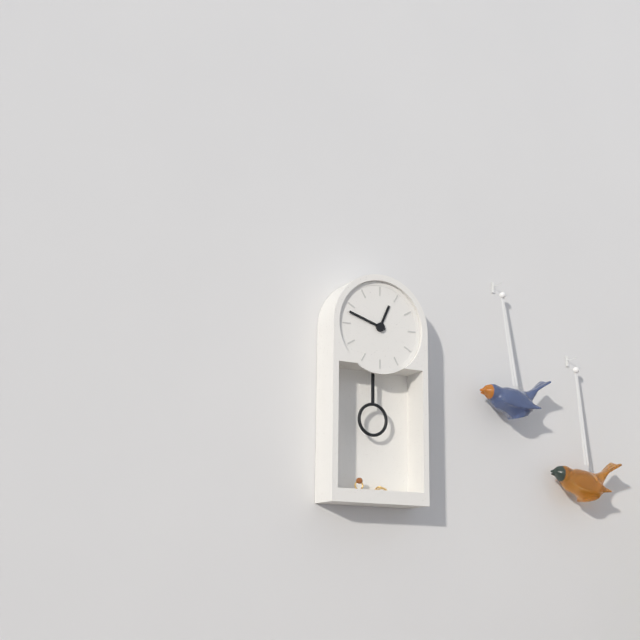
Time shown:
{"hour": 12, "minute": 48}
